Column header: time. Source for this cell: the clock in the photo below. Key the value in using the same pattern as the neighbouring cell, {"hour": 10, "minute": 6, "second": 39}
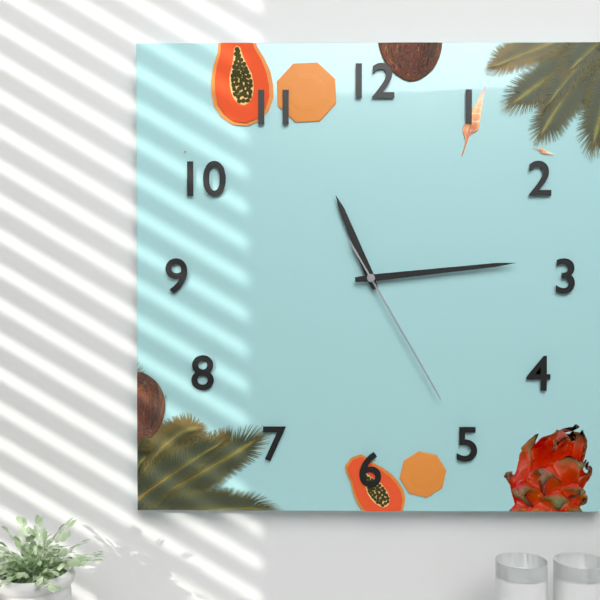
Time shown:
{"hour": 11, "minute": 14, "second": 25}
